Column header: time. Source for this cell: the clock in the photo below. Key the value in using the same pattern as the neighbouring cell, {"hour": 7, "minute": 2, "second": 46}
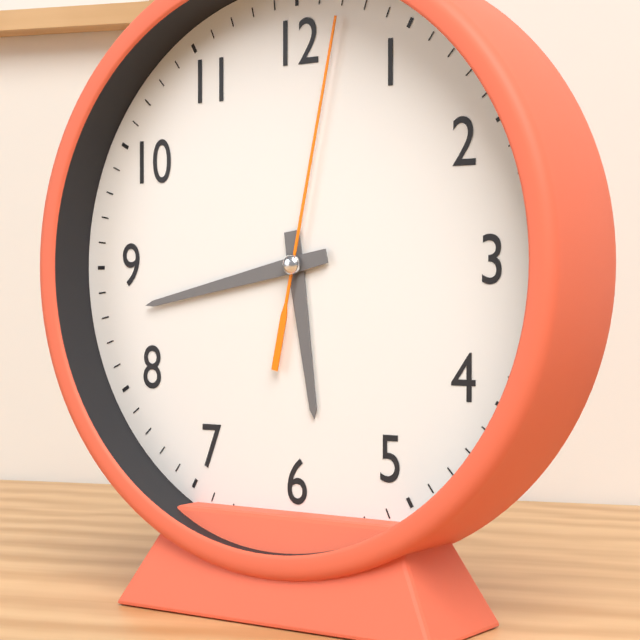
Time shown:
{"hour": 5, "minute": 43, "second": 2}
